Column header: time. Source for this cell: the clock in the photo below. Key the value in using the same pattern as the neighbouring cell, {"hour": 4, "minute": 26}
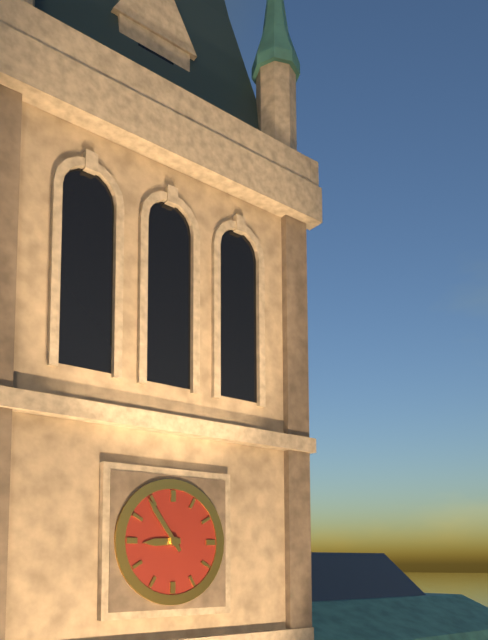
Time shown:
{"hour": 8, "minute": 54}
